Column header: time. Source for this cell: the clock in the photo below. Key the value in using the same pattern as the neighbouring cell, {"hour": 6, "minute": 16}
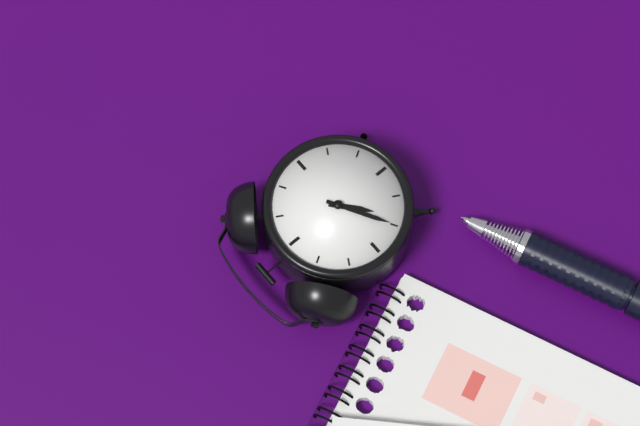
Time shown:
{"hour": 7, "minute": 40}
